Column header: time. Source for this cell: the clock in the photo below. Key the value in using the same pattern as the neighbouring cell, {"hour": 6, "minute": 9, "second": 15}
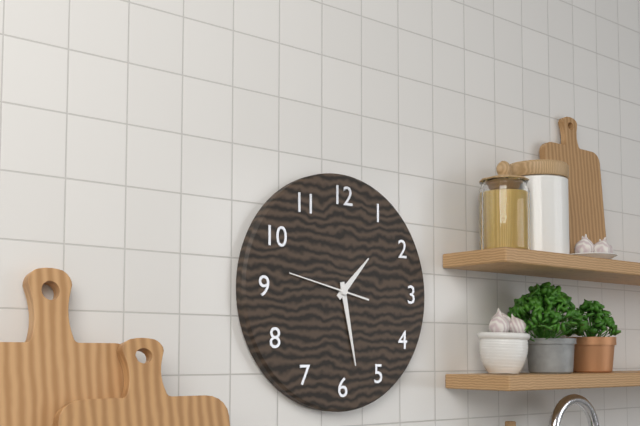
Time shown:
{"hour": 1, "minute": 28, "second": 47}
